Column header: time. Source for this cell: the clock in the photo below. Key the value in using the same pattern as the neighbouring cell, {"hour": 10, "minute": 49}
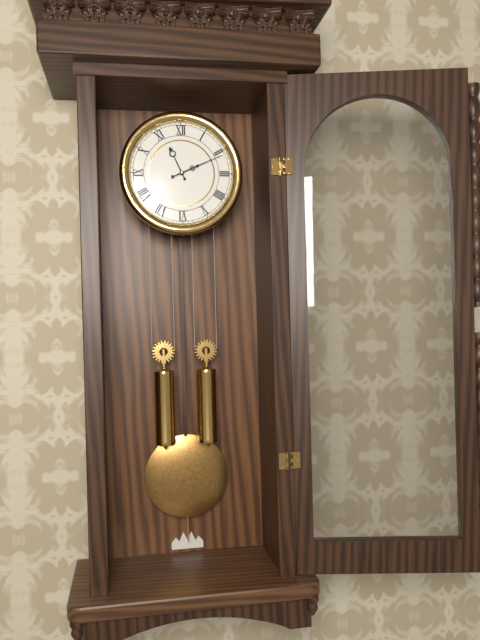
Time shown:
{"hour": 11, "minute": 11}
